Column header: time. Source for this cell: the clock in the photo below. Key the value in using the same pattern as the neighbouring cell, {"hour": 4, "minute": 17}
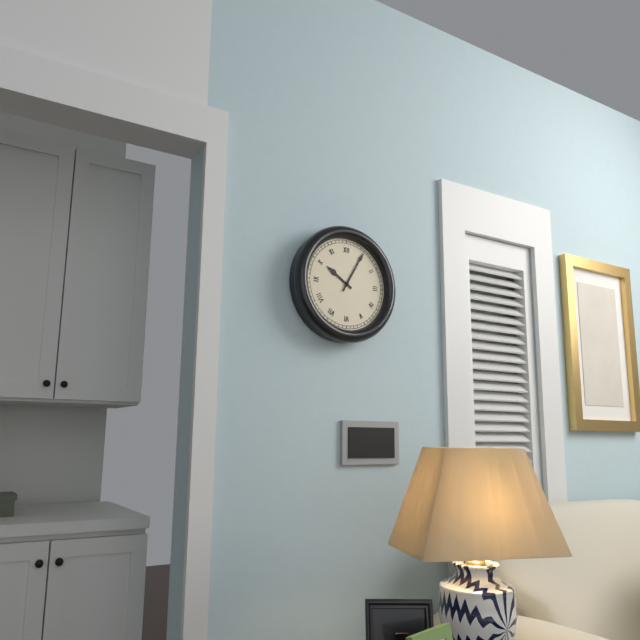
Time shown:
{"hour": 10, "minute": 5}
